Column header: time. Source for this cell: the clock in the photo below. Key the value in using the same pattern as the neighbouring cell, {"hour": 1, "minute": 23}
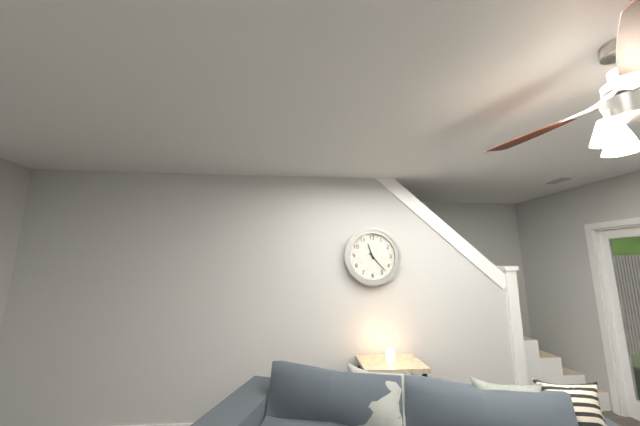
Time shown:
{"hour": 11, "minute": 23}
